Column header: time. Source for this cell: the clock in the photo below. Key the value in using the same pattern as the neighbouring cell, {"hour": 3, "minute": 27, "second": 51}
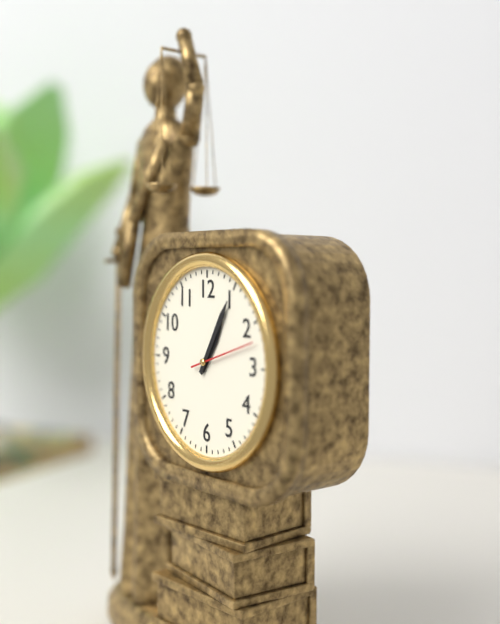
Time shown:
{"hour": 1, "minute": 5, "second": 12}
